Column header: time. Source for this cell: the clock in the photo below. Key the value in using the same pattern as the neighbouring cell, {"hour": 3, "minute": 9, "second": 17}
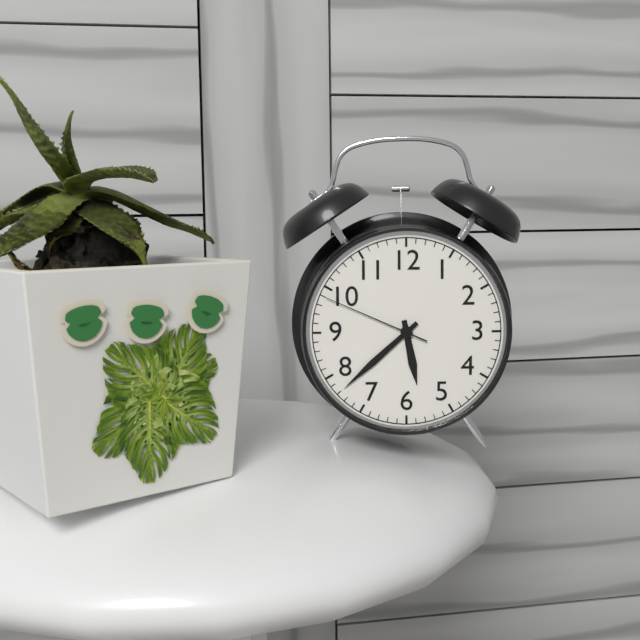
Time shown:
{"hour": 5, "minute": 38, "second": 49}
